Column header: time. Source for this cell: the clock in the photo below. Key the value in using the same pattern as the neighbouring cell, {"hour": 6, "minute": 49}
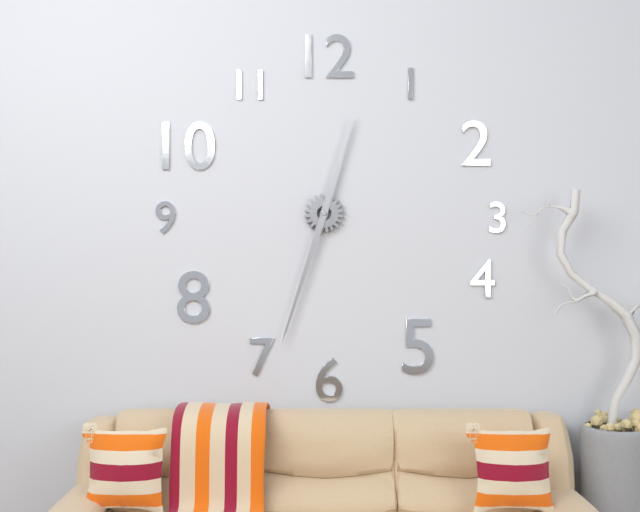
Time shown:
{"hour": 12, "minute": 33}
